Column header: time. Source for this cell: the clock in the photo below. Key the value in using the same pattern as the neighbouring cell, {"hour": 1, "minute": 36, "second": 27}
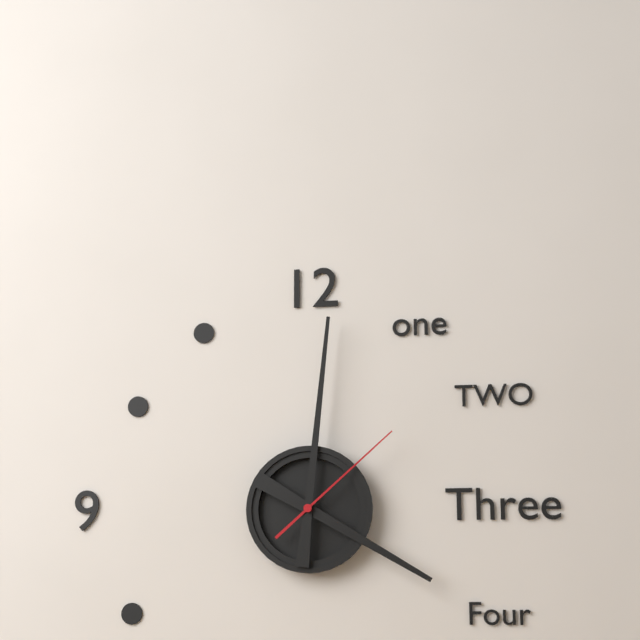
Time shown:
{"hour": 4, "minute": 1, "second": 8}
